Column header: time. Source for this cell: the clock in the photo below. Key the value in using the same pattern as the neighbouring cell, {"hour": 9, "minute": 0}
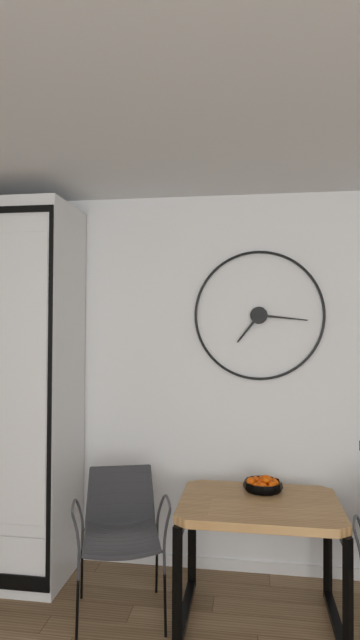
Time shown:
{"hour": 7, "minute": 16}
